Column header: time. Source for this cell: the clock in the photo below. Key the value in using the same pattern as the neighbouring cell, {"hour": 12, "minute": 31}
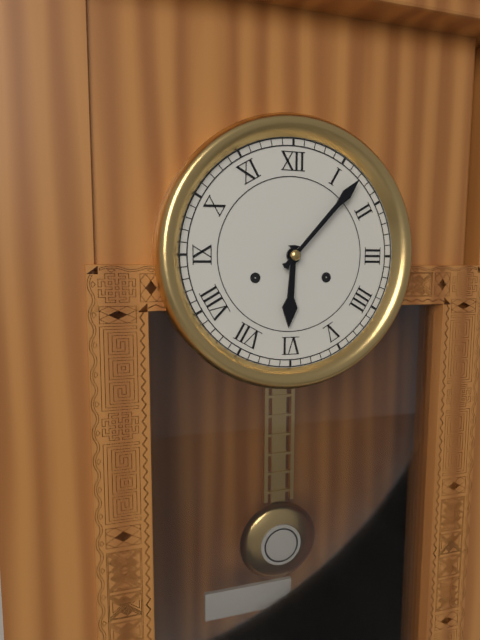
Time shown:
{"hour": 6, "minute": 7}
